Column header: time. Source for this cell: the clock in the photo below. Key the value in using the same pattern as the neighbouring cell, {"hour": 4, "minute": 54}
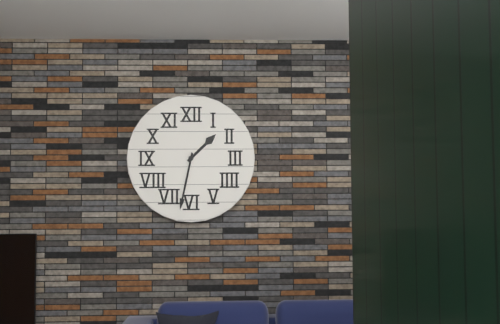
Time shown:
{"hour": 1, "minute": 32}
